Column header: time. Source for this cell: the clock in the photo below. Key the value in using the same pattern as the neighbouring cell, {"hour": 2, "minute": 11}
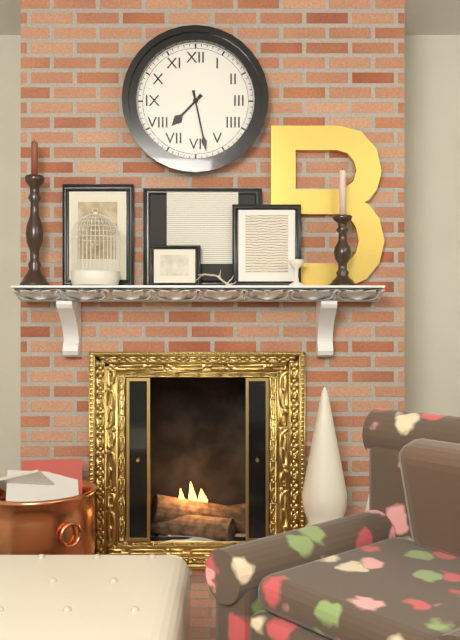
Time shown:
{"hour": 7, "minute": 28}
